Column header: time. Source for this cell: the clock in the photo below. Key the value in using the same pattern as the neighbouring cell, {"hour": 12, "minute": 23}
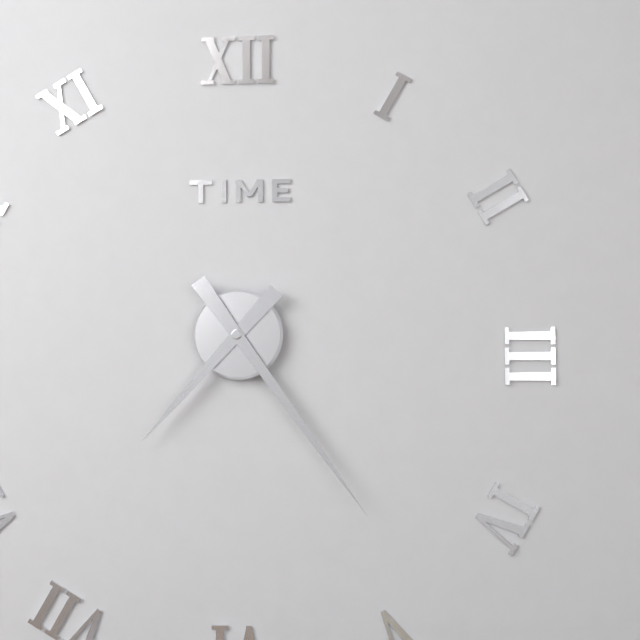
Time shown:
{"hour": 7, "minute": 24}
